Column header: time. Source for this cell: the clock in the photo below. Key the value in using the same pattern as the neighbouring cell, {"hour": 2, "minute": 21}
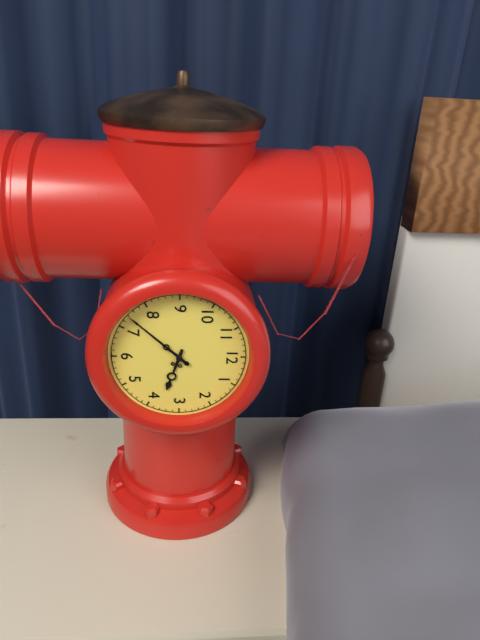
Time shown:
{"hour": 3, "minute": 37}
